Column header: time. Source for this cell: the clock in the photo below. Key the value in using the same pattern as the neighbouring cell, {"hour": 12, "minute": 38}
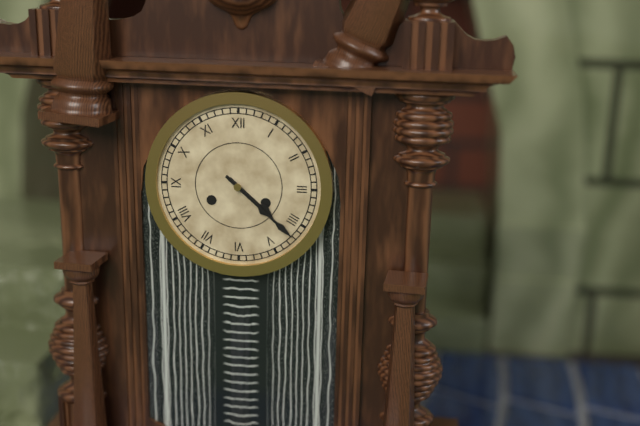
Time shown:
{"hour": 4, "minute": 22}
